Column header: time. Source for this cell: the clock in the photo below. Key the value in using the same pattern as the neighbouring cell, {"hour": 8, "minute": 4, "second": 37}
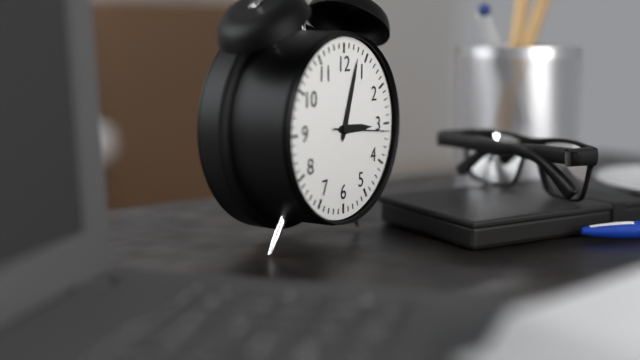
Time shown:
{"hour": 3, "minute": 3, "second": 16}
